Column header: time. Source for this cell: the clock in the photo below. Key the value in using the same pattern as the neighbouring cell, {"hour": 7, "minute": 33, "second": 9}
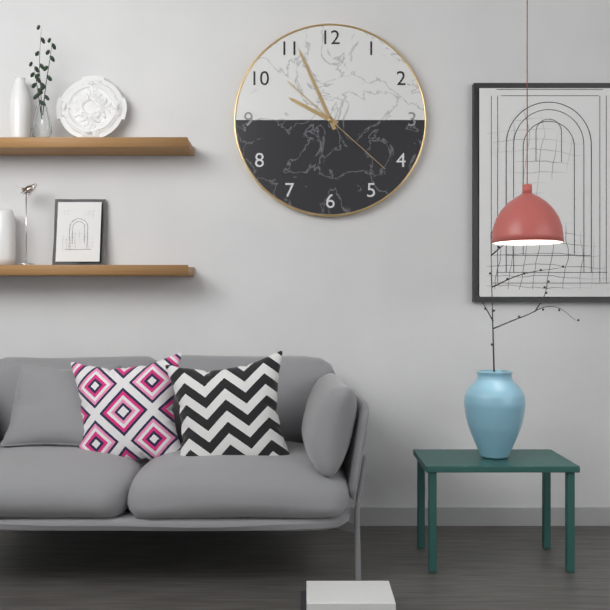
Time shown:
{"hour": 9, "minute": 56, "second": 22}
